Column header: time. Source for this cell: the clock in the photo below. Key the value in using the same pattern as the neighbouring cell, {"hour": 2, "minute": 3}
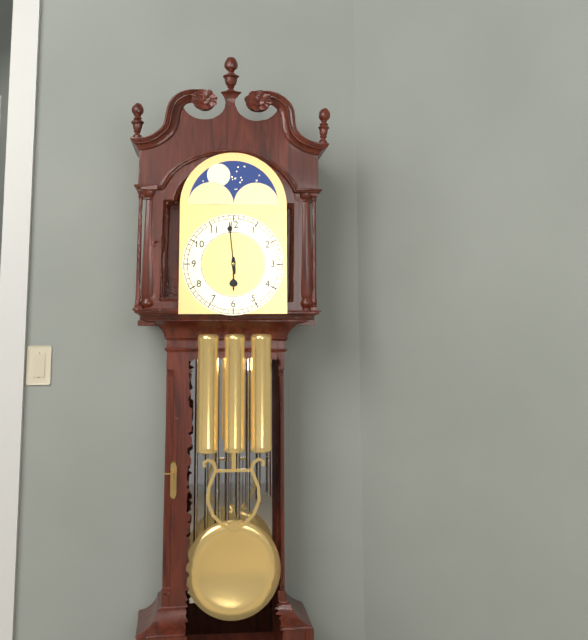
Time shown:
{"hour": 5, "minute": 59}
